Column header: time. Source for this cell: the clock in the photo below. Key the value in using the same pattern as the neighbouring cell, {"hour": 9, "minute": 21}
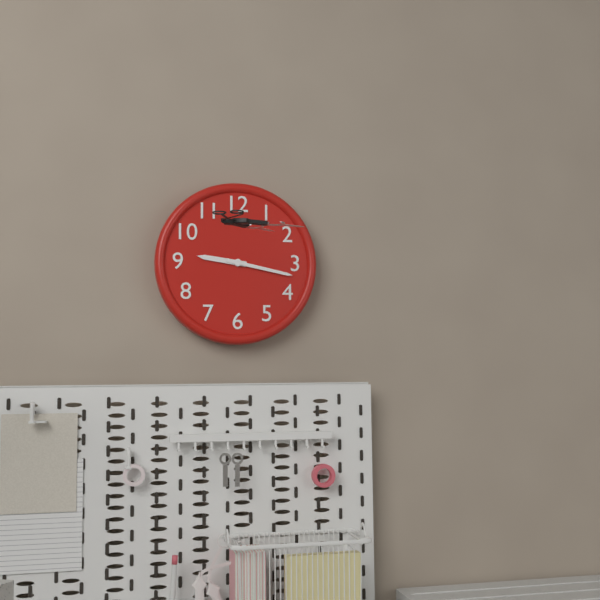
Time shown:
{"hour": 9, "minute": 17}
